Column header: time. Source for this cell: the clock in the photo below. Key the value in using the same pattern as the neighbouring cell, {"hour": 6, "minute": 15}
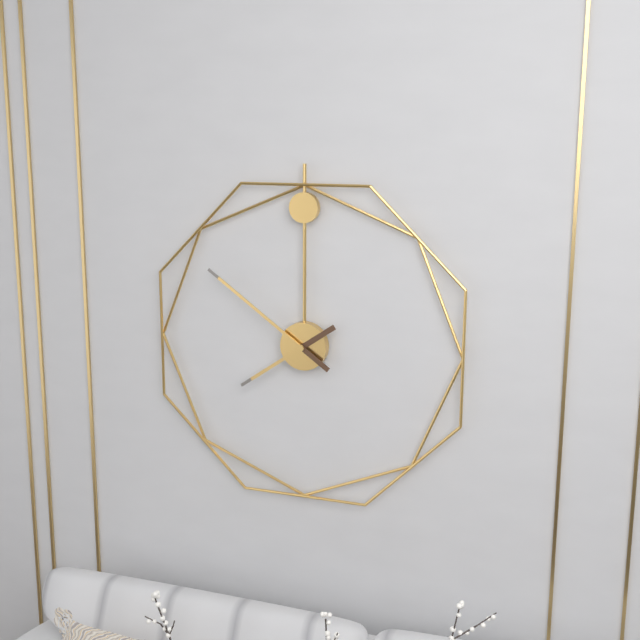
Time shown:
{"hour": 7, "minute": 51}
